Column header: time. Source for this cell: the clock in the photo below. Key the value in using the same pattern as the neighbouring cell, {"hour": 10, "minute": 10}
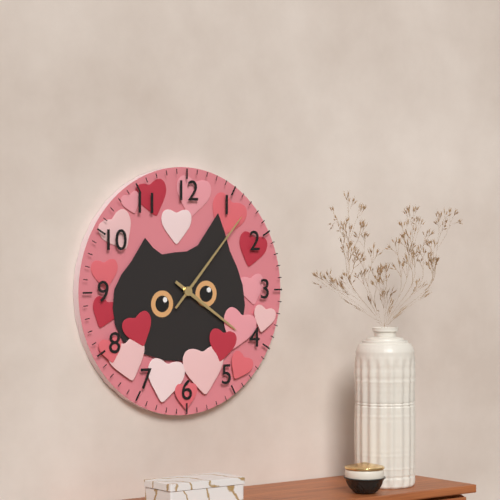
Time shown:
{"hour": 4, "minute": 7}
